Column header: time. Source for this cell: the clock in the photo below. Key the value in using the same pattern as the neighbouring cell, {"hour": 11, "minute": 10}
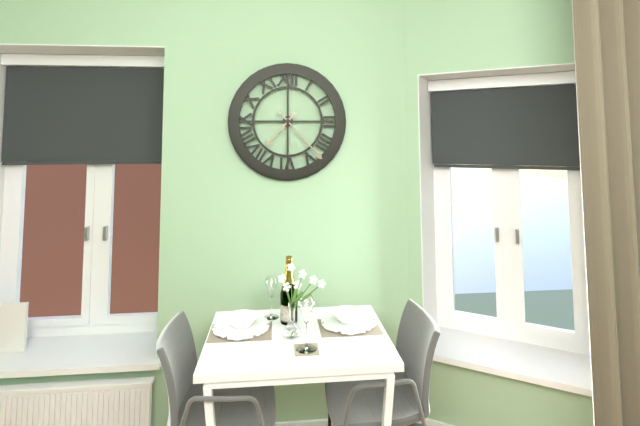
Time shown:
{"hour": 7, "minute": 23}
